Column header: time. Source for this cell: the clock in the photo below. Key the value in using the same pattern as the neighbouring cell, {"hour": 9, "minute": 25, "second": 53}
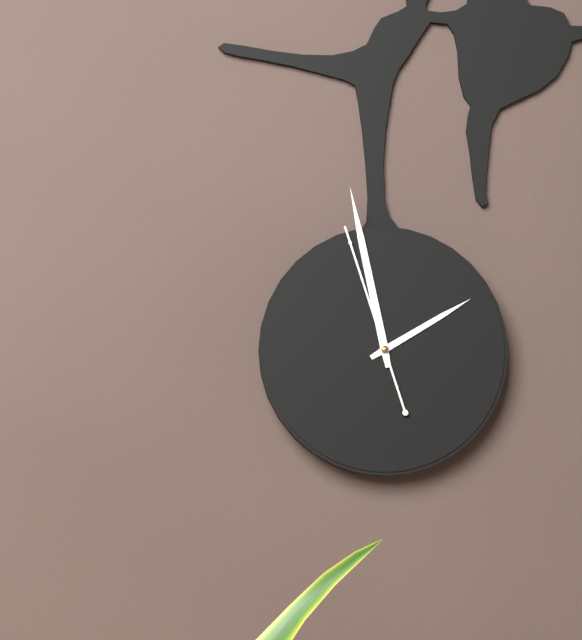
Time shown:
{"hour": 1, "minute": 58, "second": 57}
